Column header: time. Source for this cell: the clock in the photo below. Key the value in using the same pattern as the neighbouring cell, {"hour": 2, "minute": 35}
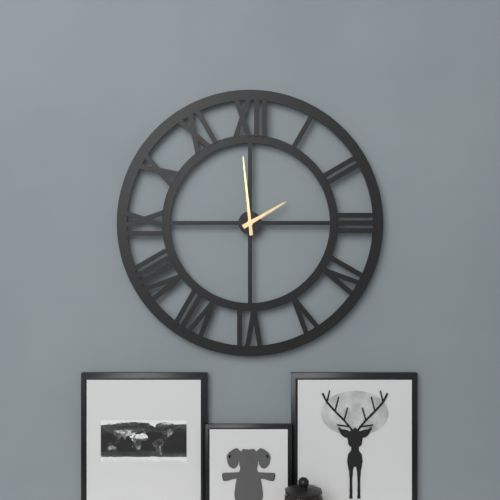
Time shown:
{"hour": 1, "minute": 59}
